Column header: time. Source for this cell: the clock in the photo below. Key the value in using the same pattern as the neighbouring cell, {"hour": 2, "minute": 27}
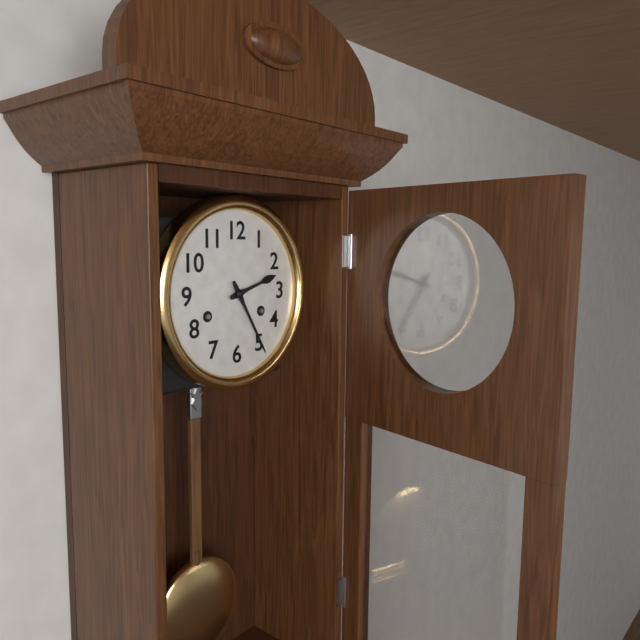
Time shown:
{"hour": 2, "minute": 25}
